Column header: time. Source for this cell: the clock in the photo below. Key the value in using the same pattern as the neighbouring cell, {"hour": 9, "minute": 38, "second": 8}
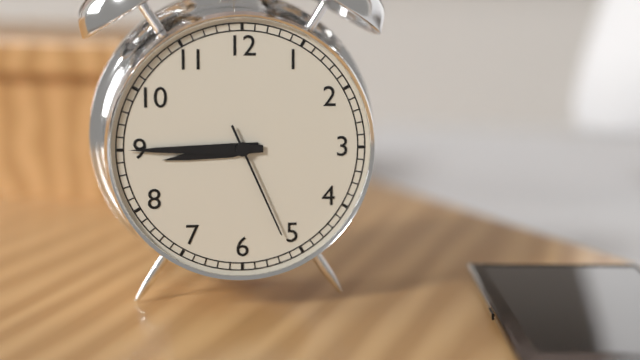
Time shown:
{"hour": 8, "minute": 45, "second": 26}
